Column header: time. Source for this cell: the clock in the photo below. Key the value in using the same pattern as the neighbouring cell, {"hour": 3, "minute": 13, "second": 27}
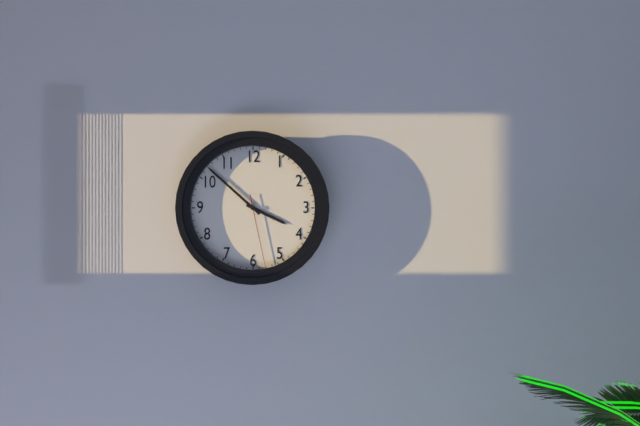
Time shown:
{"hour": 3, "minute": 52, "second": 28}
